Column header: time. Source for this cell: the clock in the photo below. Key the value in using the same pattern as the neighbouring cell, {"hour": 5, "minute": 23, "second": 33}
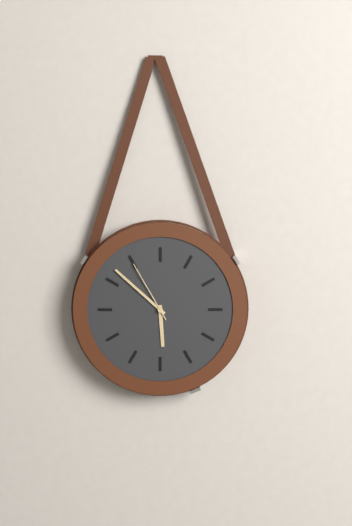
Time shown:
{"hour": 5, "minute": 52, "second": 55}
